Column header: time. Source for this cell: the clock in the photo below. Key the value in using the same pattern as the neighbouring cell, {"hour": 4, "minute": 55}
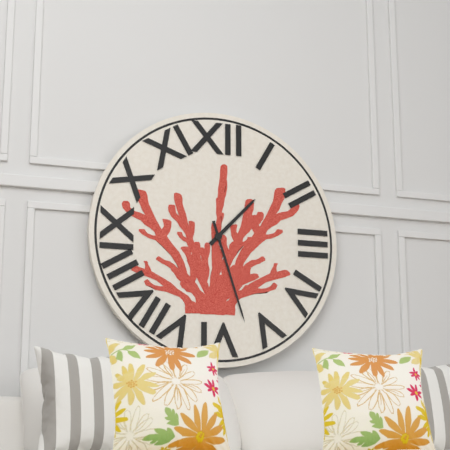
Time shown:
{"hour": 1, "minute": 27}
